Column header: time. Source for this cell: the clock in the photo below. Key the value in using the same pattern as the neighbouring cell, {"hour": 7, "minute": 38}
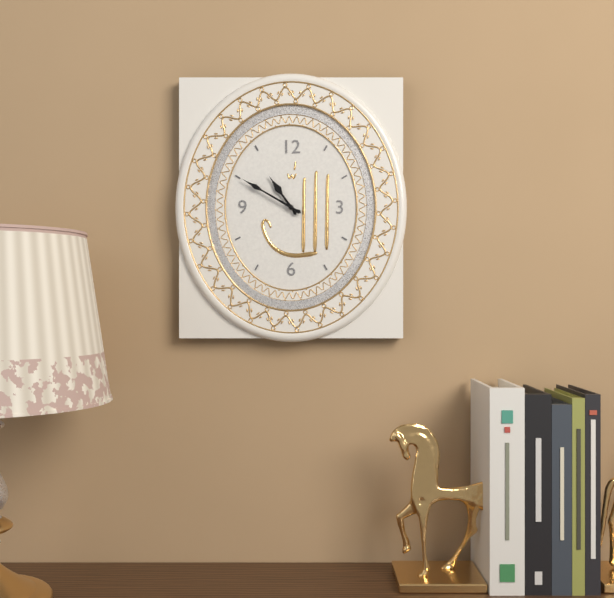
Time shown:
{"hour": 10, "minute": 50}
